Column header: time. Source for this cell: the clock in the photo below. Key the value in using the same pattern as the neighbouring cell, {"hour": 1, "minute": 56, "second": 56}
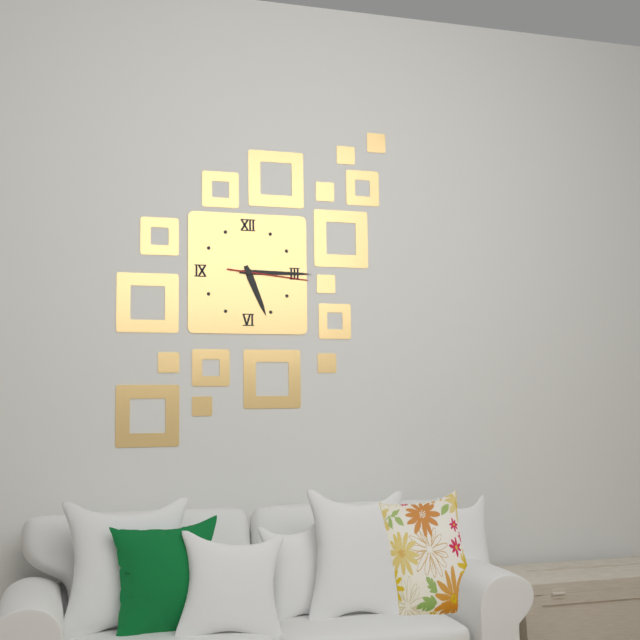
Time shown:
{"hour": 5, "minute": 15, "second": 16}
